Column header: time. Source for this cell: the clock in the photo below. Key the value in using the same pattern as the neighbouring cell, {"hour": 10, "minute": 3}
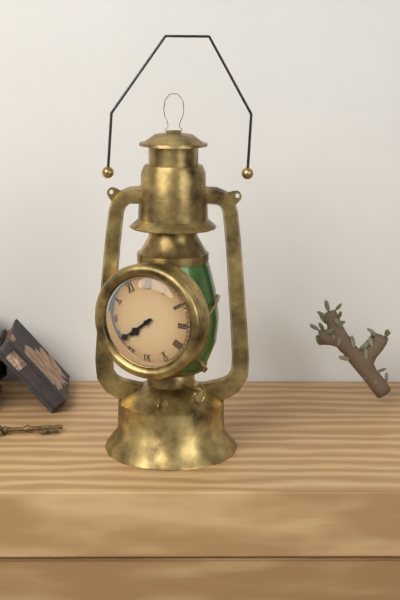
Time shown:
{"hour": 7, "minute": 39}
